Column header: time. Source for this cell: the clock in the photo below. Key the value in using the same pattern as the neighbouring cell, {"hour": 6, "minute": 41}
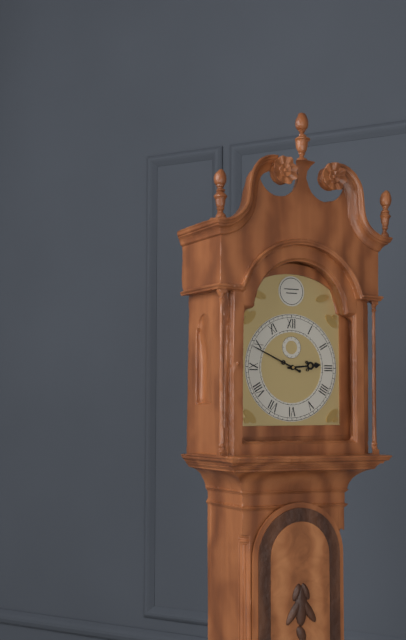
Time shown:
{"hour": 2, "minute": 49}
